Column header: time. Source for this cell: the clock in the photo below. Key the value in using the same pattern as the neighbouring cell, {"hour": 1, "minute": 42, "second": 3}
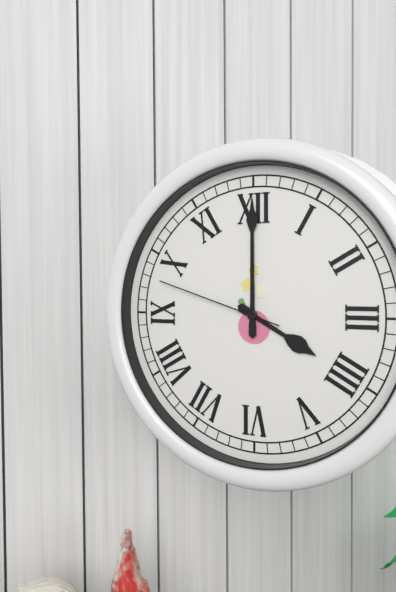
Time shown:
{"hour": 4, "minute": 0, "second": 48}
